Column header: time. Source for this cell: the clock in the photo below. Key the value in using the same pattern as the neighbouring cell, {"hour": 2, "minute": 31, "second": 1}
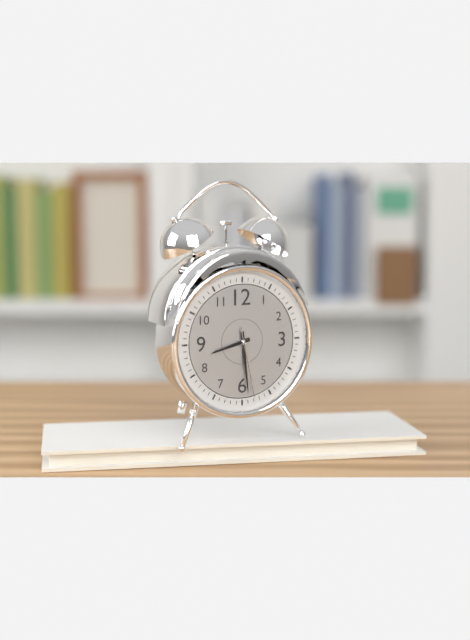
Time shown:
{"hour": 8, "minute": 29, "second": 28}
